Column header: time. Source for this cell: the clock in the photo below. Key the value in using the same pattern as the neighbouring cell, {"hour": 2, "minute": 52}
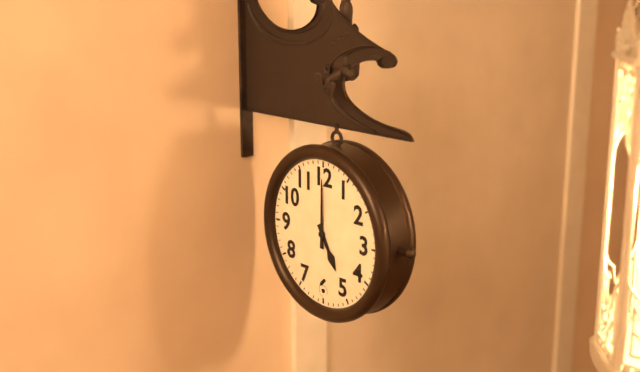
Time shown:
{"hour": 5, "minute": 0}
